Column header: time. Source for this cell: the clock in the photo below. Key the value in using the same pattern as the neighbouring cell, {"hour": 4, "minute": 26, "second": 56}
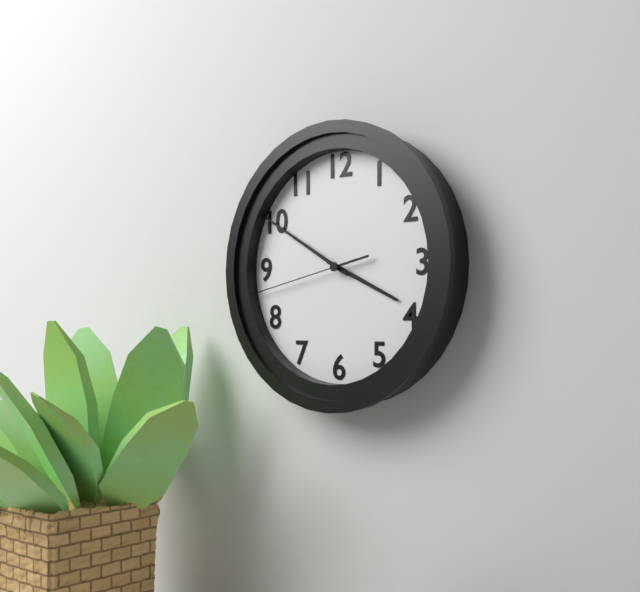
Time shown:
{"hour": 3, "minute": 50, "second": 43}
